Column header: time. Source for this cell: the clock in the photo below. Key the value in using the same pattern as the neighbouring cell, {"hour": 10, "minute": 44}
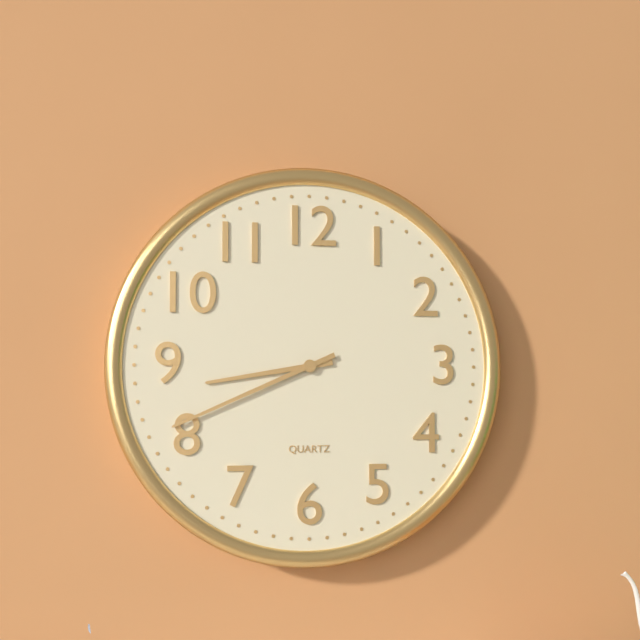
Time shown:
{"hour": 8, "minute": 41}
